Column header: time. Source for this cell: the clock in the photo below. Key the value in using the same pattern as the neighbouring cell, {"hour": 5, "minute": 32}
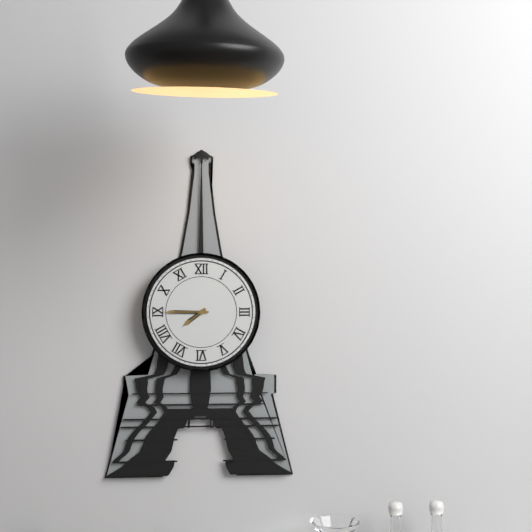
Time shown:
{"hour": 7, "minute": 45}
